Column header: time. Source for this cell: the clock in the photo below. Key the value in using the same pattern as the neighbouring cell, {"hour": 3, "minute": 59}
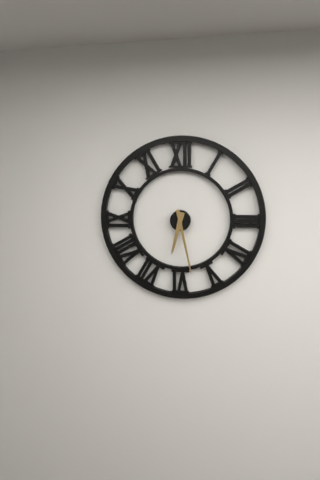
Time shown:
{"hour": 6, "minute": 28}
